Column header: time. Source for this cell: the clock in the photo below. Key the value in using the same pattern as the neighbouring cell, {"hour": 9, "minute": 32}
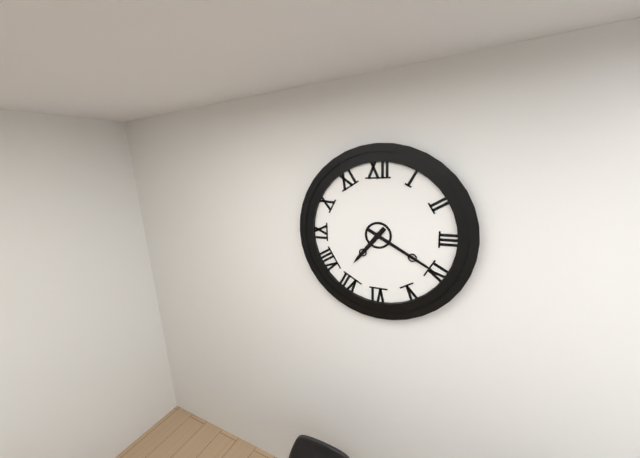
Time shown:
{"hour": 7, "minute": 20}
